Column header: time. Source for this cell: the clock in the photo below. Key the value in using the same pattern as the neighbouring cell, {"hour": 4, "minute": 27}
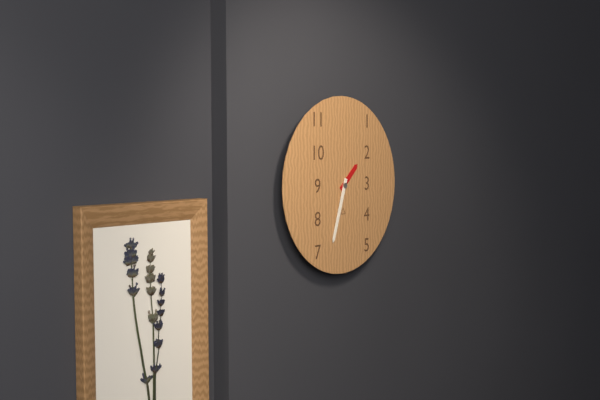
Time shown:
{"hour": 1, "minute": 33}
